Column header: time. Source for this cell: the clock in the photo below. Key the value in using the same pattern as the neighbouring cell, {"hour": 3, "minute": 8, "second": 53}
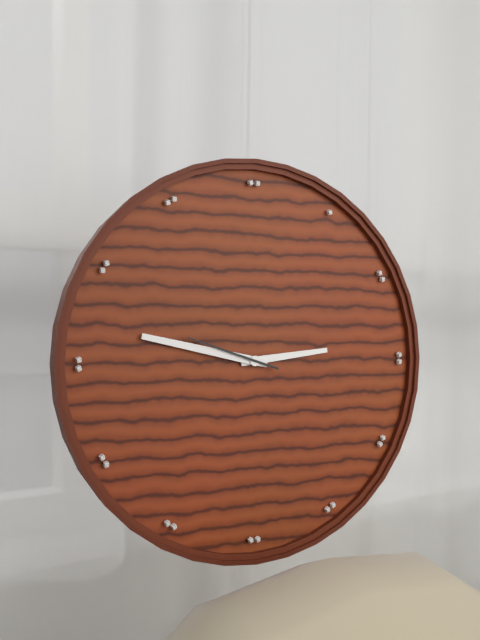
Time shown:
{"hour": 2, "minute": 47, "second": 48}
